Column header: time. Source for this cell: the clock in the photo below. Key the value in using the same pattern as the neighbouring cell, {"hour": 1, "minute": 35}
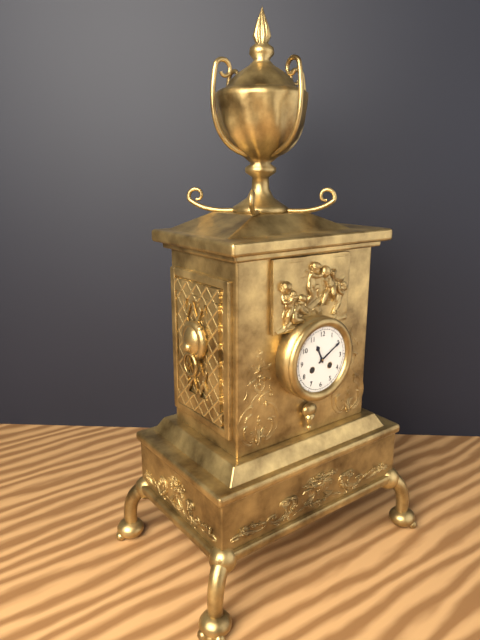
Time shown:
{"hour": 11, "minute": 10}
